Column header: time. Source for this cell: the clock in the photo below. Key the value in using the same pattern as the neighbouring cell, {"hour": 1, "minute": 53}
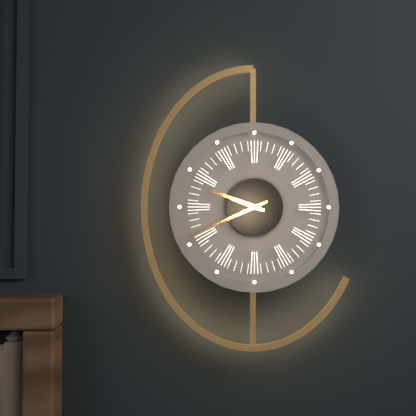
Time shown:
{"hour": 9, "minute": 41}
